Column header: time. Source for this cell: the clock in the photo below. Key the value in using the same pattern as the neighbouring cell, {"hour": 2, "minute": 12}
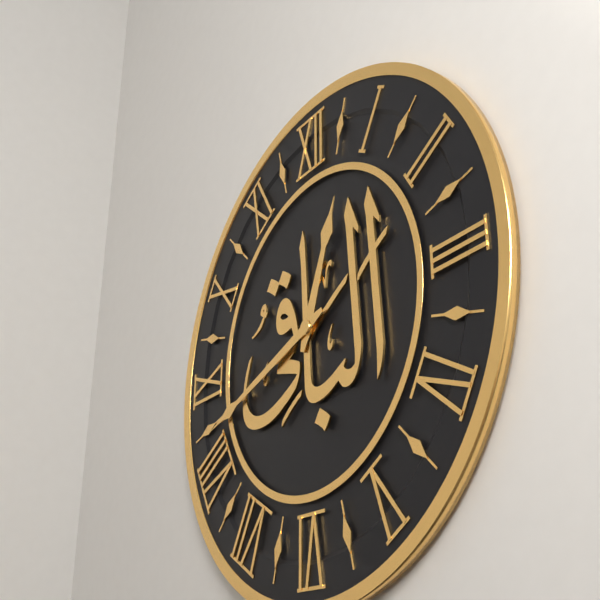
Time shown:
{"hour": 12, "minute": 42}
